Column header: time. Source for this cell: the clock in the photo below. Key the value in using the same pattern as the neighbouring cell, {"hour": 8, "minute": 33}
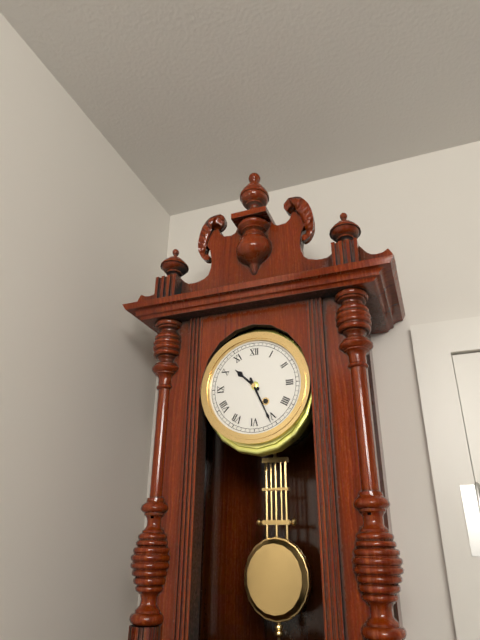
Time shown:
{"hour": 10, "minute": 26}
